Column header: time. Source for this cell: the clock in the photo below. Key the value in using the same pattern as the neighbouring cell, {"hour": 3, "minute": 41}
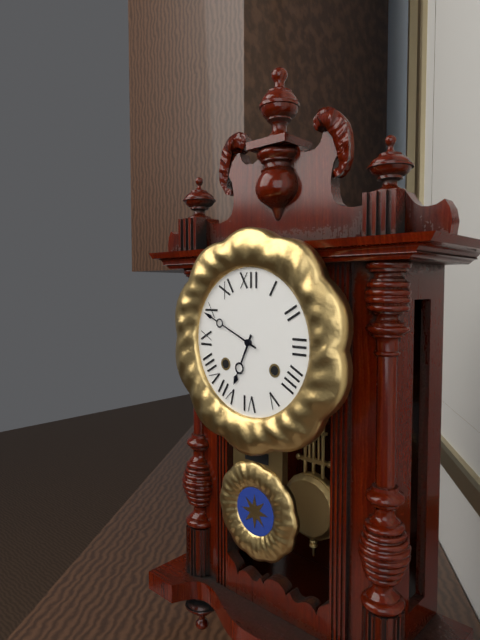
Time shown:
{"hour": 6, "minute": 49}
